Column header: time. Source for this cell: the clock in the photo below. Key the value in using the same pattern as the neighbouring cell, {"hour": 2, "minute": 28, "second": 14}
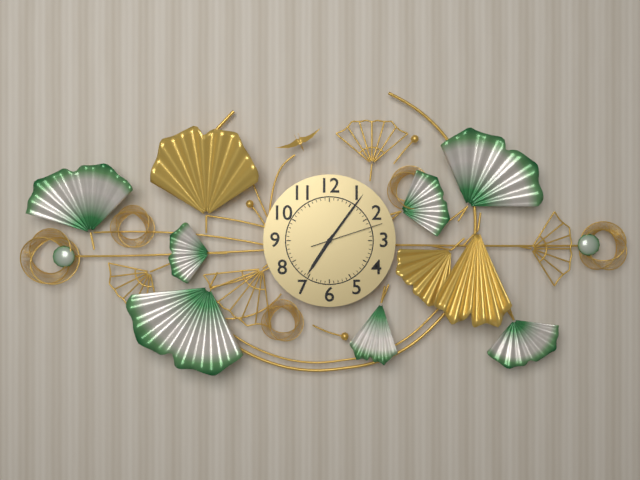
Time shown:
{"hour": 7, "minute": 6, "second": 12}
